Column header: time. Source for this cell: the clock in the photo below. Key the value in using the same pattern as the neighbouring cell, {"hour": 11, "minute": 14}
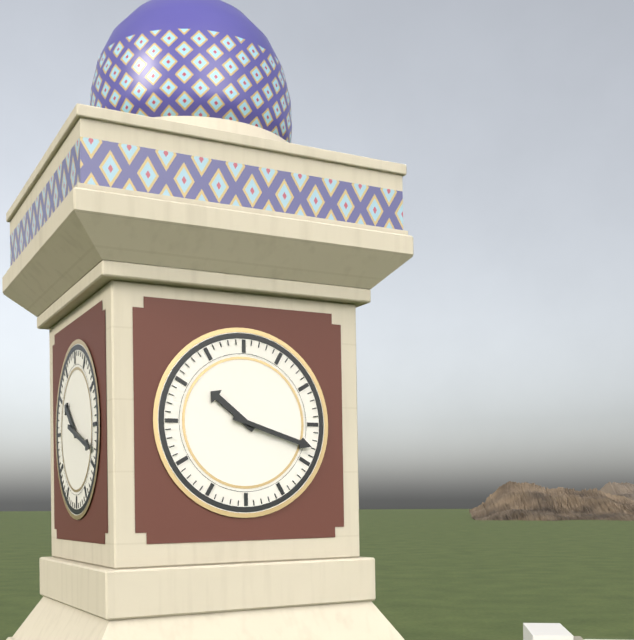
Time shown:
{"hour": 10, "minute": 18}
